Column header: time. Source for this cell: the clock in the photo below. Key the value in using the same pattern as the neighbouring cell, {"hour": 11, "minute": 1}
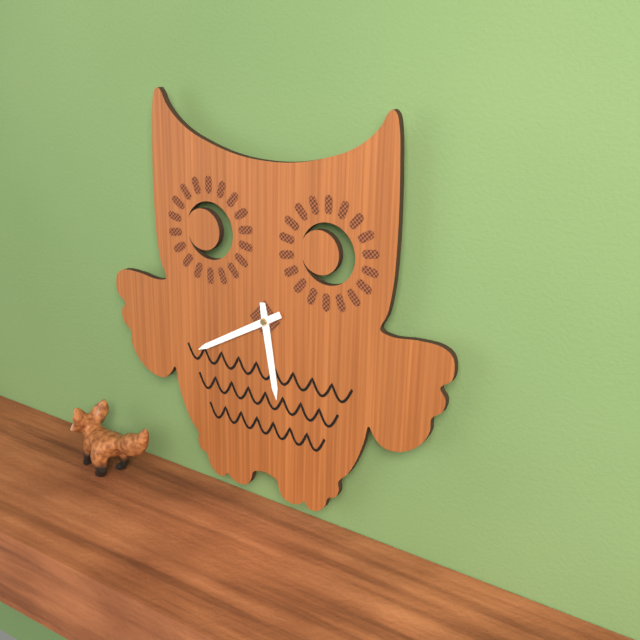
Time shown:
{"hour": 5, "minute": 40}
